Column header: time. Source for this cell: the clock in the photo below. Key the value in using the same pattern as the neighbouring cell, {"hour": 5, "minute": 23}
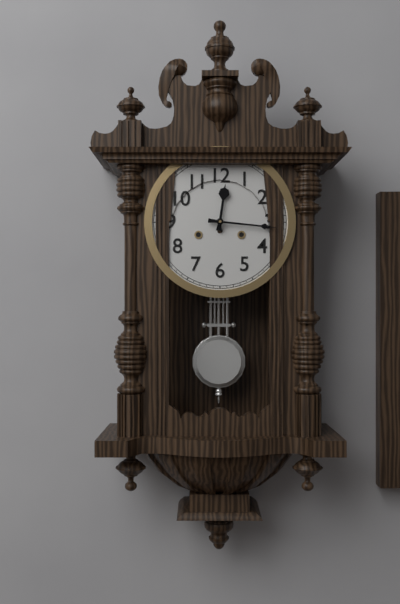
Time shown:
{"hour": 12, "minute": 16}
